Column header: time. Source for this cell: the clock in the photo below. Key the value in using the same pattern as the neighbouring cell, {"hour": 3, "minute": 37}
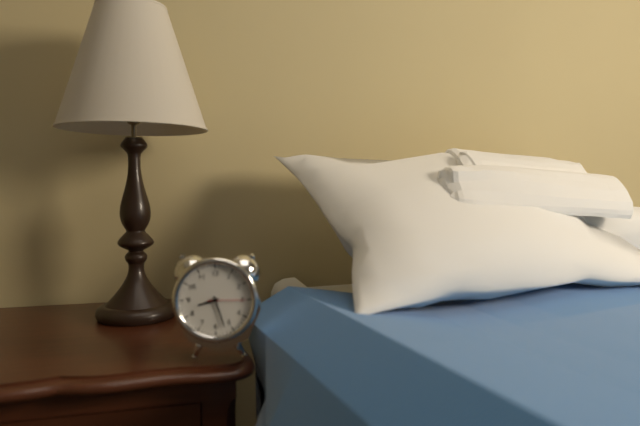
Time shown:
{"hour": 8, "minute": 27}
